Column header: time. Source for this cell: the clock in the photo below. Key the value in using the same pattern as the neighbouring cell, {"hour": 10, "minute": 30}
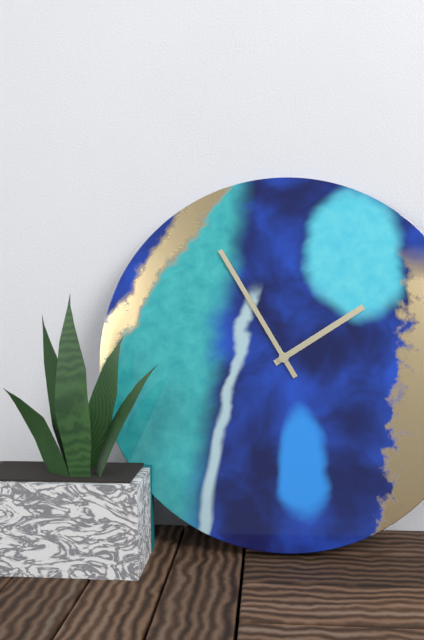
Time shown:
{"hour": 1, "minute": 55}
